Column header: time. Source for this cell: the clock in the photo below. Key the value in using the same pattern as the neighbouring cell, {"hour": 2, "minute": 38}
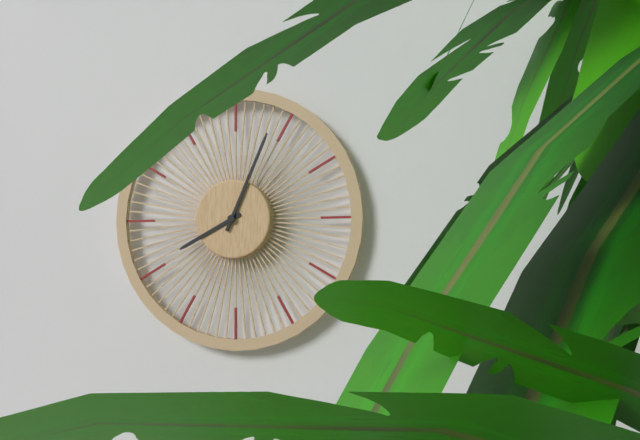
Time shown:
{"hour": 8, "minute": 4}
